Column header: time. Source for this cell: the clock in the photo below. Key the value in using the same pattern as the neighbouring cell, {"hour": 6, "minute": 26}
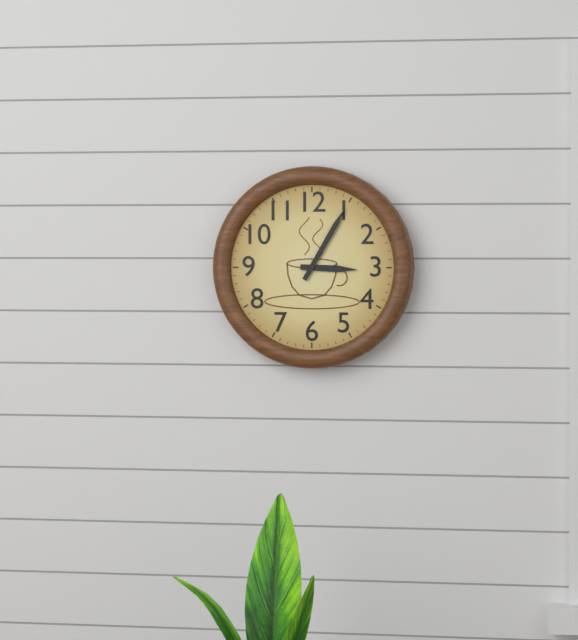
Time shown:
{"hour": 3, "minute": 5}
